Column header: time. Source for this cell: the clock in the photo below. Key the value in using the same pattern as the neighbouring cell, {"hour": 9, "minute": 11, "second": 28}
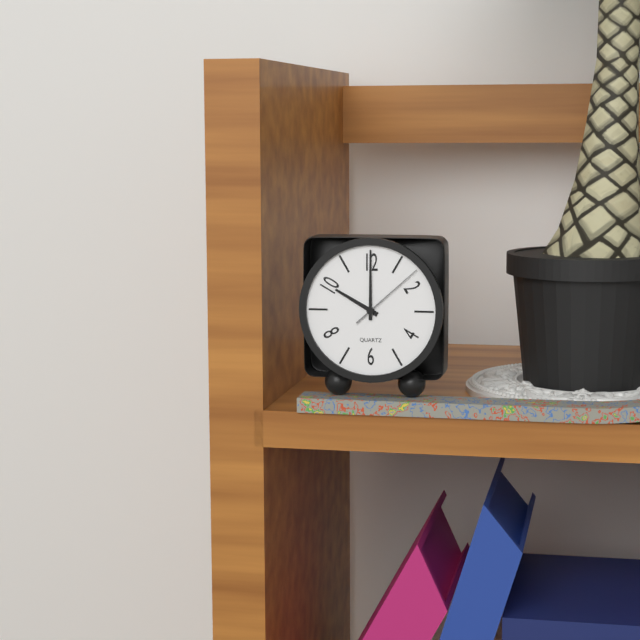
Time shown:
{"hour": 10, "minute": 0, "second": 8}
